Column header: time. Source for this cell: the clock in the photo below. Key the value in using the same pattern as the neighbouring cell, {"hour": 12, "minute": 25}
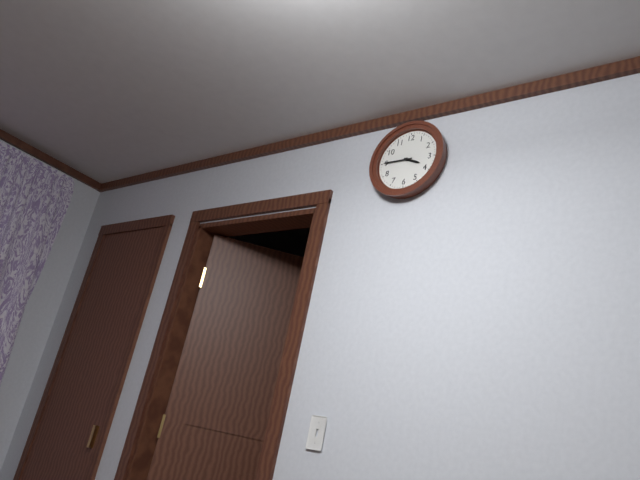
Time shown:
{"hour": 3, "minute": 45}
